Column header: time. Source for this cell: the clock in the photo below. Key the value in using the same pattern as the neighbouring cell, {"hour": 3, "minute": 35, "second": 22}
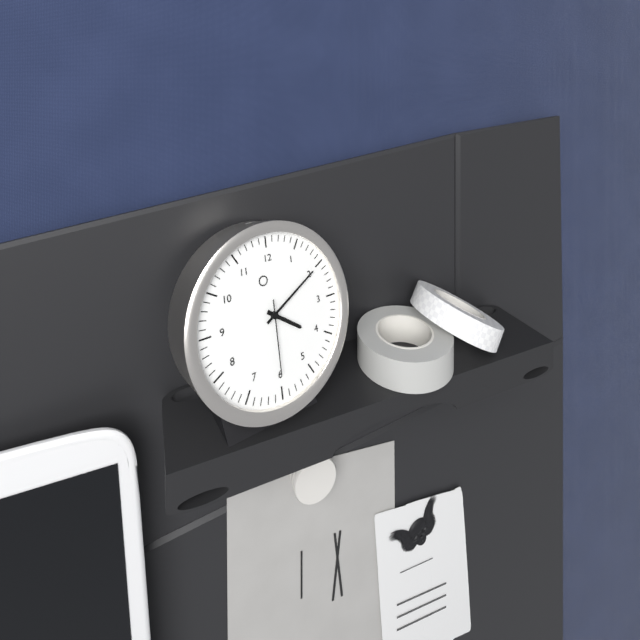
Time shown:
{"hour": 4, "minute": 10, "second": 30}
